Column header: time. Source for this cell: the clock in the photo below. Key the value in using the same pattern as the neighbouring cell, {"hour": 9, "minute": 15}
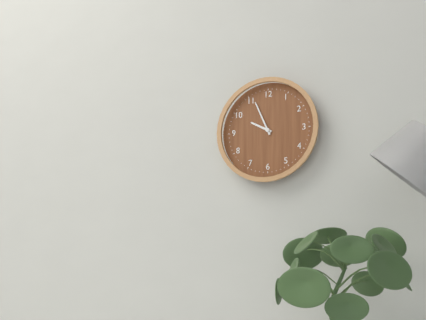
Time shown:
{"hour": 9, "minute": 56}
